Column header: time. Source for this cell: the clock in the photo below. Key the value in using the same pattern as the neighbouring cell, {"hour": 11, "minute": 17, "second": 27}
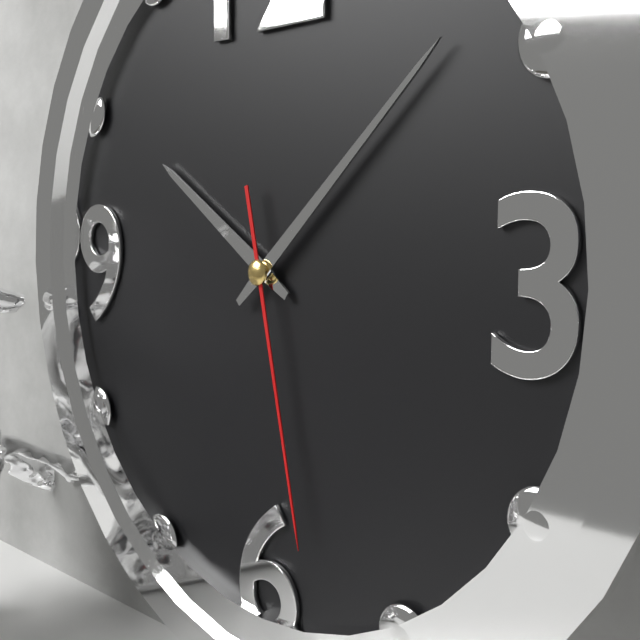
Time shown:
{"hour": 10, "minute": 8, "second": 28}
